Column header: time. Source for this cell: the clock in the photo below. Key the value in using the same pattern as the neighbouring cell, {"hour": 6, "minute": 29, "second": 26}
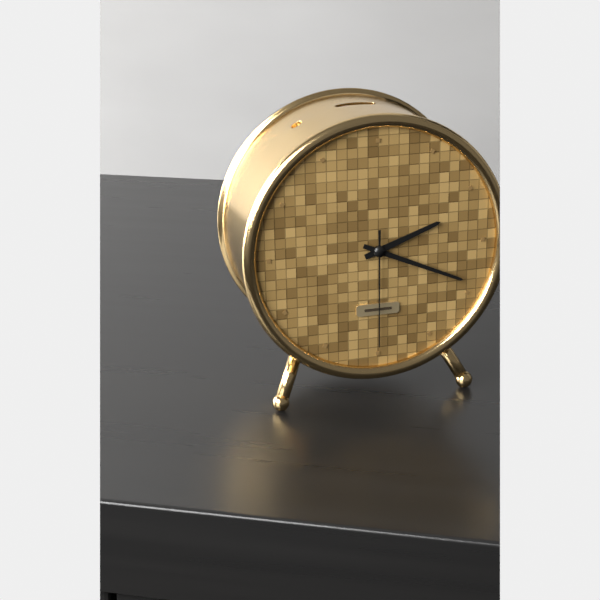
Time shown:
{"hour": 2, "minute": 19, "second": 30}
